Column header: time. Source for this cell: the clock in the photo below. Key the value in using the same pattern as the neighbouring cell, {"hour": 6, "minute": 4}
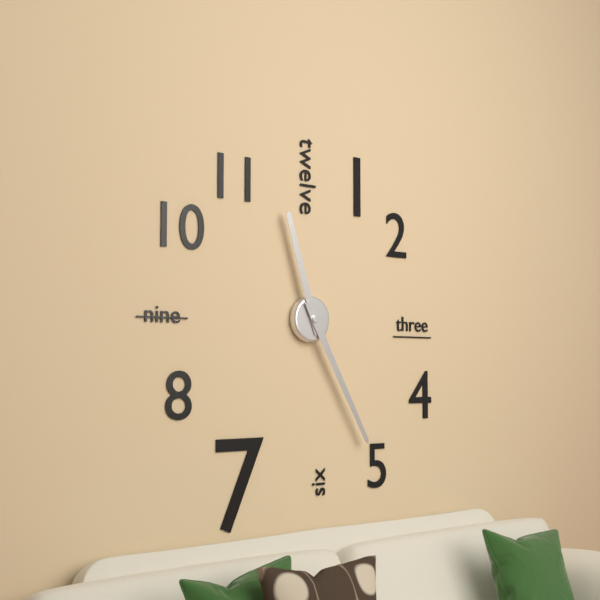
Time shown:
{"hour": 11, "minute": 25}
